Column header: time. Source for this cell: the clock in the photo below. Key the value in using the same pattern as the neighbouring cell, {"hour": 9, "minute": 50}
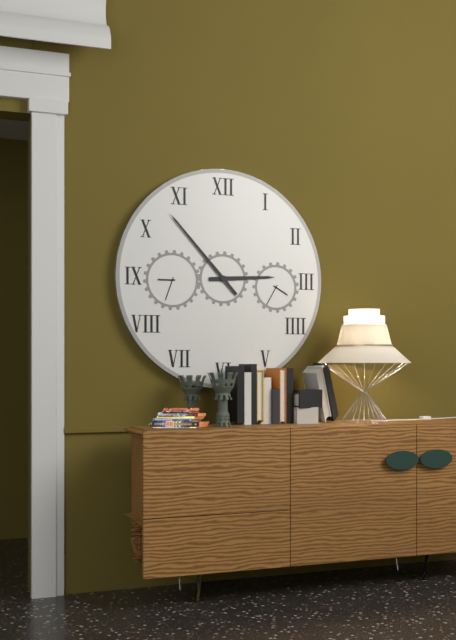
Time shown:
{"hour": 2, "minute": 53}
